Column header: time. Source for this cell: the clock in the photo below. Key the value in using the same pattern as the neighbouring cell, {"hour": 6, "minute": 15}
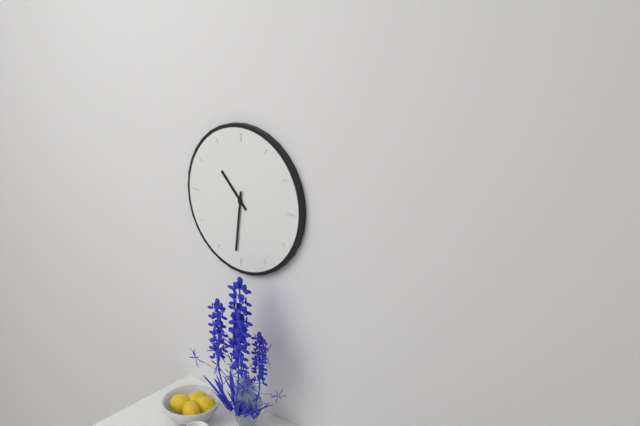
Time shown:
{"hour": 10, "minute": 31}
